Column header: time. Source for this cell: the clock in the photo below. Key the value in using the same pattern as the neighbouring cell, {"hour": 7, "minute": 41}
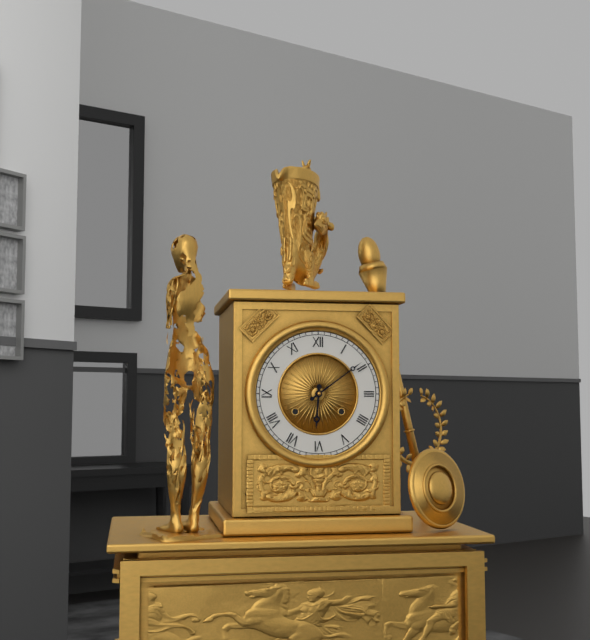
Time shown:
{"hour": 6, "minute": 9}
